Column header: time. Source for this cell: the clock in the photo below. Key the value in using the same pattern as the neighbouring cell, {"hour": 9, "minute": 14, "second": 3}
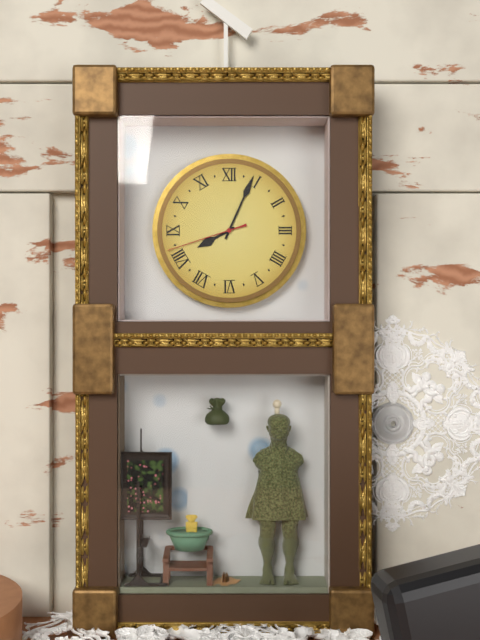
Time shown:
{"hour": 8, "minute": 4, "second": 42}
